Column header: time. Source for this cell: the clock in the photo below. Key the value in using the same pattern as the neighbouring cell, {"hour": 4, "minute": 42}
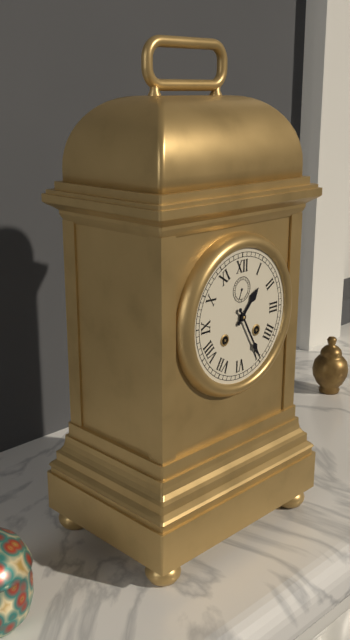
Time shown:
{"hour": 1, "minute": 25}
